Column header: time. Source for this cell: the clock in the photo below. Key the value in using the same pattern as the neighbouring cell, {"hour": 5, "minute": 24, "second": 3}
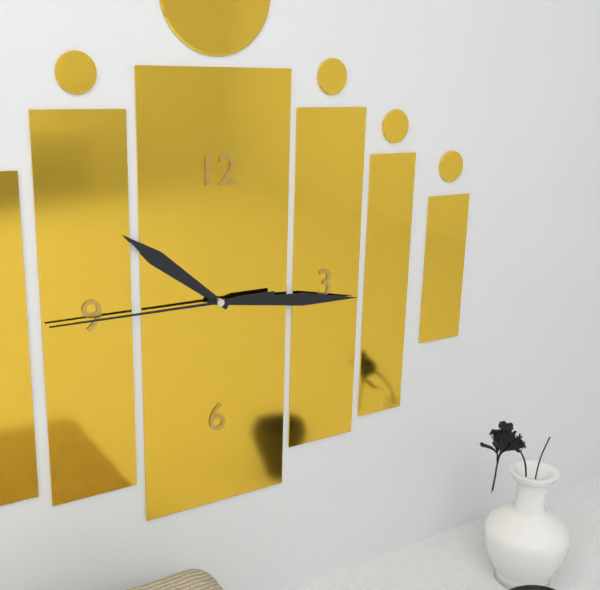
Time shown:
{"hour": 10, "minute": 16, "second": 45}
